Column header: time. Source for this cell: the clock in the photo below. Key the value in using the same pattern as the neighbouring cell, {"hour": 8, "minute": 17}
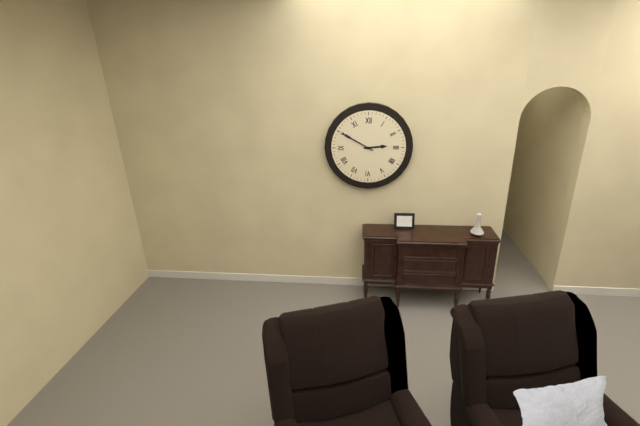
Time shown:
{"hour": 2, "minute": 50}
